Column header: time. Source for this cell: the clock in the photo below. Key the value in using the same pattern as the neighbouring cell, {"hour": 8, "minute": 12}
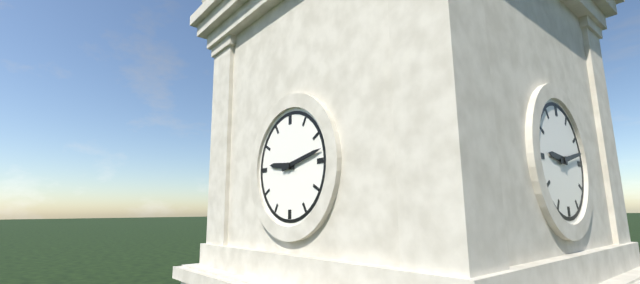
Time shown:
{"hour": 9, "minute": 13}
